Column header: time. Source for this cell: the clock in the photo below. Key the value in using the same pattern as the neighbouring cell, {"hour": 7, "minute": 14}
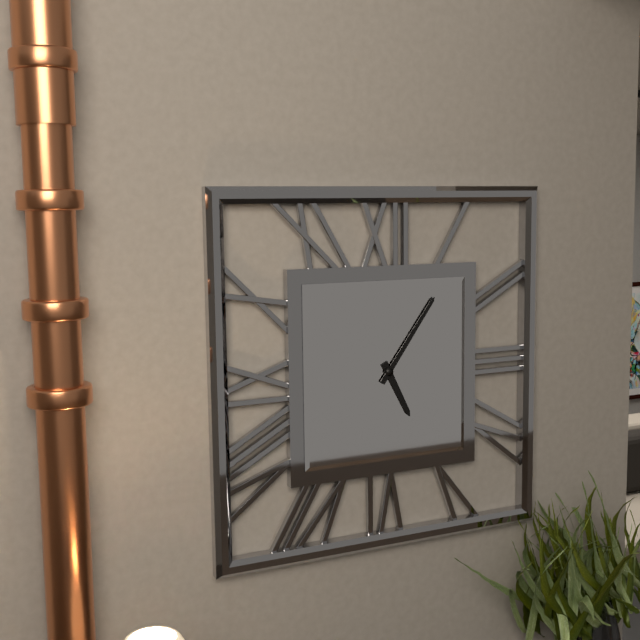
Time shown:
{"hour": 5, "minute": 6}
